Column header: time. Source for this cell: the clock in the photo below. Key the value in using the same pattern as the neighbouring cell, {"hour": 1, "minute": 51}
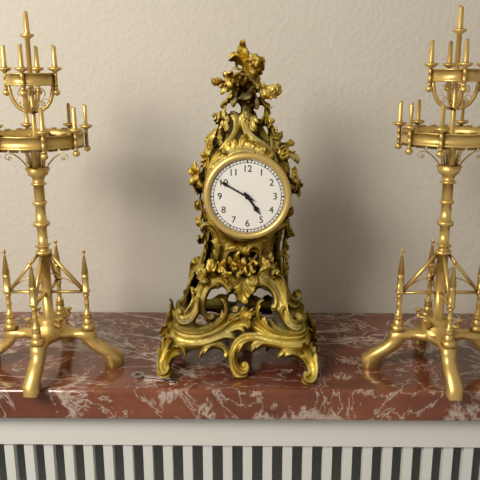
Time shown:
{"hour": 4, "minute": 50}
